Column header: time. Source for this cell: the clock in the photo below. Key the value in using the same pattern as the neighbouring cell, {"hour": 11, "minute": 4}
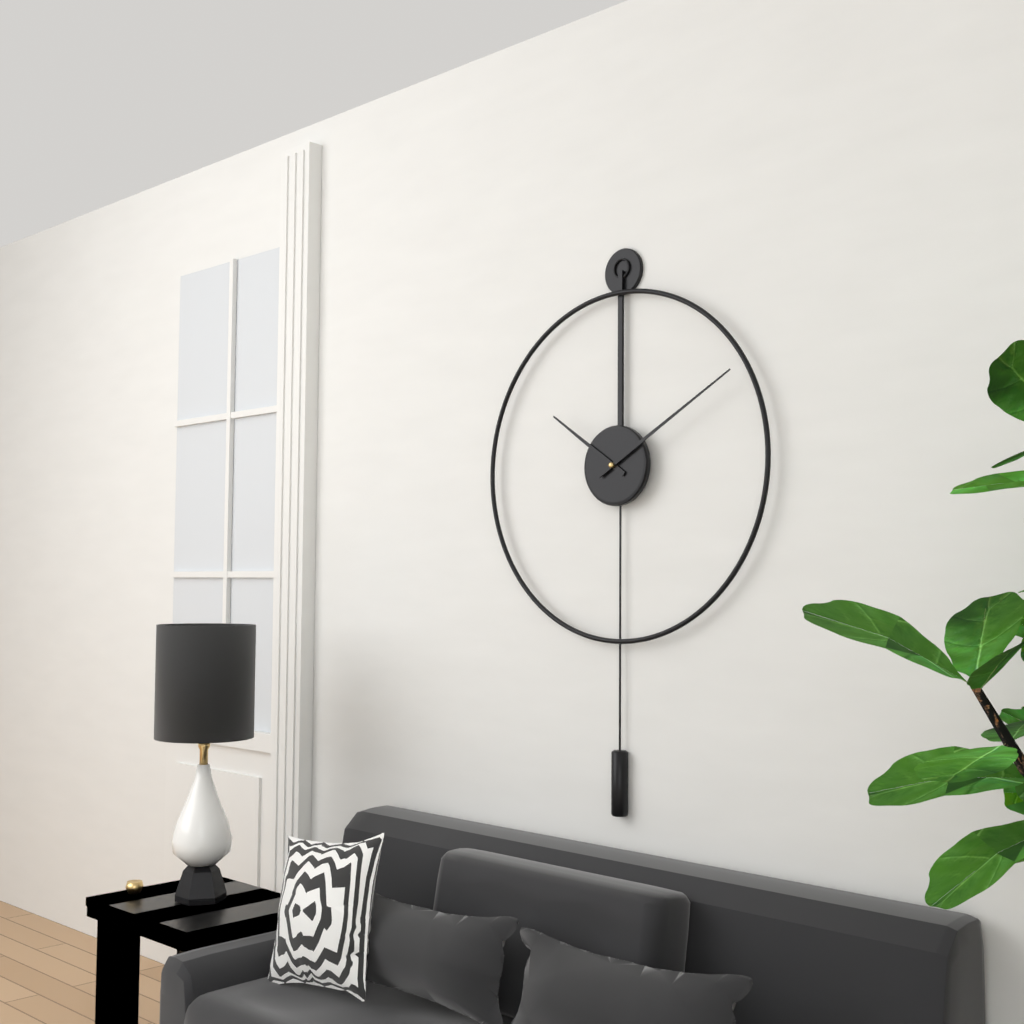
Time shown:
{"hour": 10, "minute": 10}
